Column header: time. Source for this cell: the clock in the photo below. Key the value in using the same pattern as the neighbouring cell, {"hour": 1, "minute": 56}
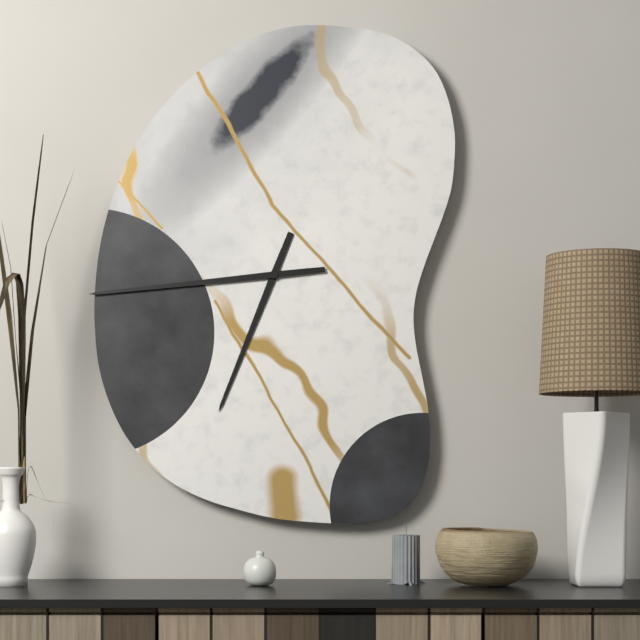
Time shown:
{"hour": 6, "minute": 44}
